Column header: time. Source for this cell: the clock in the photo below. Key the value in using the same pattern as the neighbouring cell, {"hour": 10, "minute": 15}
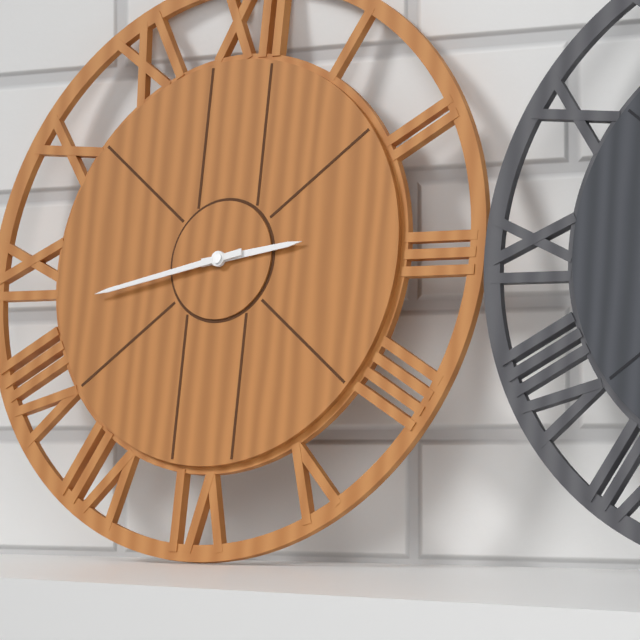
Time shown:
{"hour": 2, "minute": 43}
